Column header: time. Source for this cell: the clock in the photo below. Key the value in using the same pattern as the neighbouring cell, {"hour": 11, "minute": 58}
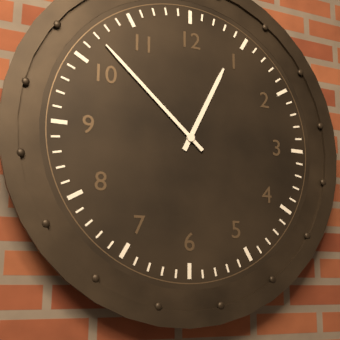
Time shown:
{"hour": 12, "minute": 52}
